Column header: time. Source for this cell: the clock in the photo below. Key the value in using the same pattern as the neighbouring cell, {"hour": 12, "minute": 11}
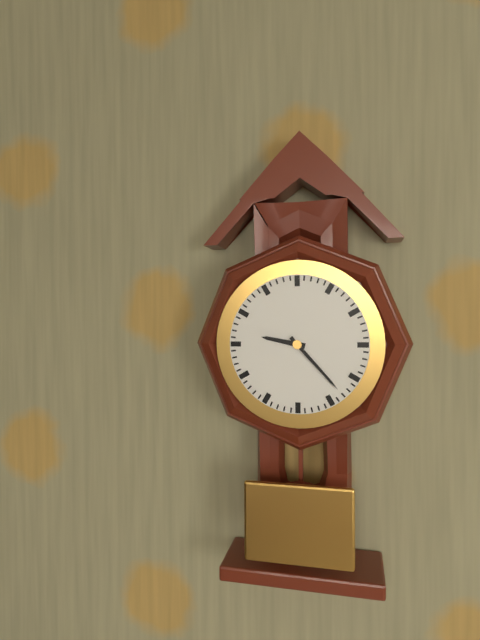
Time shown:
{"hour": 9, "minute": 23}
